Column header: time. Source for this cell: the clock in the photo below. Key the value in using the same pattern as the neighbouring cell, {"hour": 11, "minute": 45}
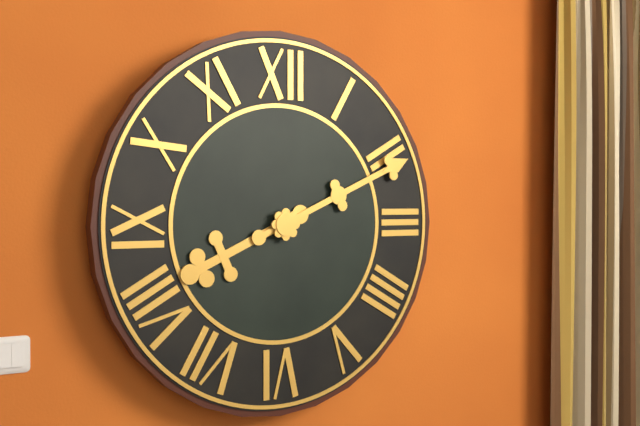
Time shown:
{"hour": 8, "minute": 11}
